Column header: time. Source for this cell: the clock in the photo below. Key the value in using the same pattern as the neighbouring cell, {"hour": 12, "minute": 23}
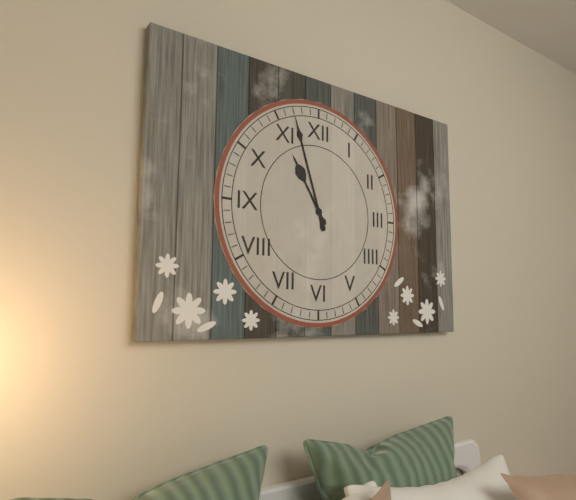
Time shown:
{"hour": 10, "minute": 57}
